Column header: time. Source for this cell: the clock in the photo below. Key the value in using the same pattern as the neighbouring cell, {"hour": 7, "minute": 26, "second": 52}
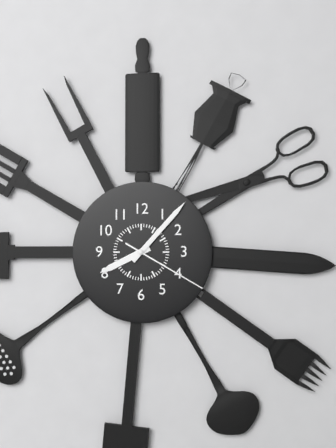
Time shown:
{"hour": 8, "minute": 7, "second": 20}
